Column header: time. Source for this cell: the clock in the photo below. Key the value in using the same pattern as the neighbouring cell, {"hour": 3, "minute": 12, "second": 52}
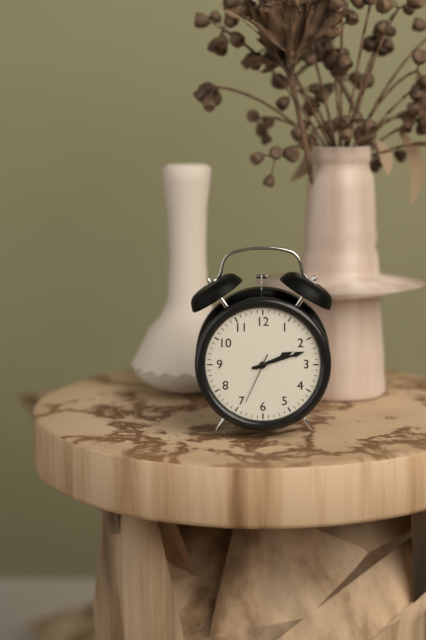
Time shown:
{"hour": 2, "minute": 12, "second": 34}
